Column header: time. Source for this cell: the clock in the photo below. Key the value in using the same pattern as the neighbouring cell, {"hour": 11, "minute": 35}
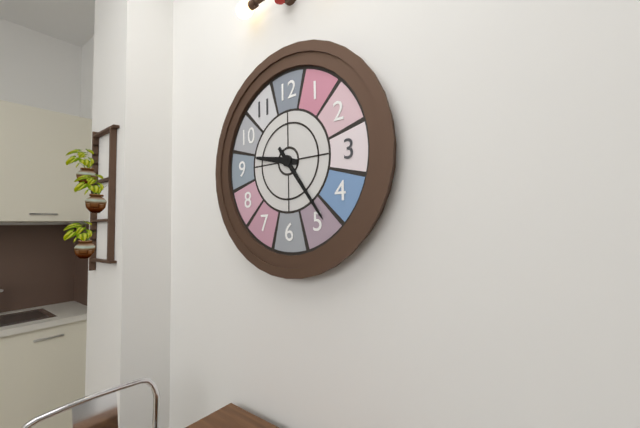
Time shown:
{"hour": 9, "minute": 24}
